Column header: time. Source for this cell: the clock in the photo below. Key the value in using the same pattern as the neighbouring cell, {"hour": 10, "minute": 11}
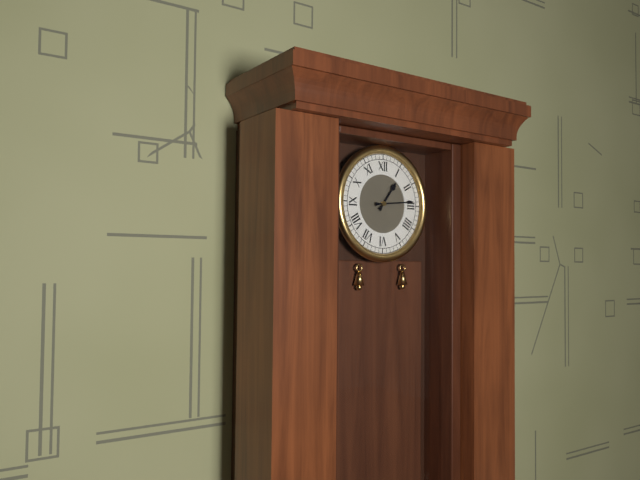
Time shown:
{"hour": 1, "minute": 14}
